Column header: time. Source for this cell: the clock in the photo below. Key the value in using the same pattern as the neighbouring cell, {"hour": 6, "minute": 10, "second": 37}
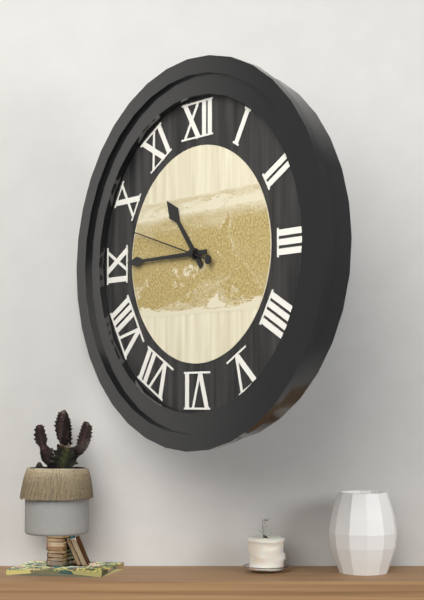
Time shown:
{"hour": 10, "minute": 45, "second": 48}
